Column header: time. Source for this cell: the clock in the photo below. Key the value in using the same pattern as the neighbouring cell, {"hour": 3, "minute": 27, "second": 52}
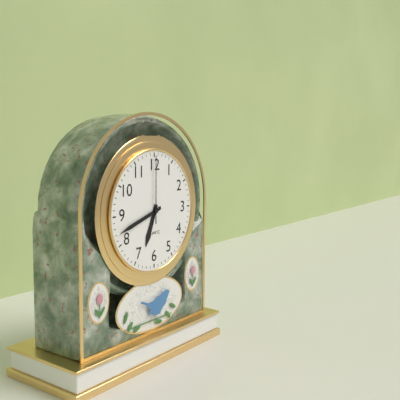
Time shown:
{"hour": 6, "minute": 42, "second": 0}
